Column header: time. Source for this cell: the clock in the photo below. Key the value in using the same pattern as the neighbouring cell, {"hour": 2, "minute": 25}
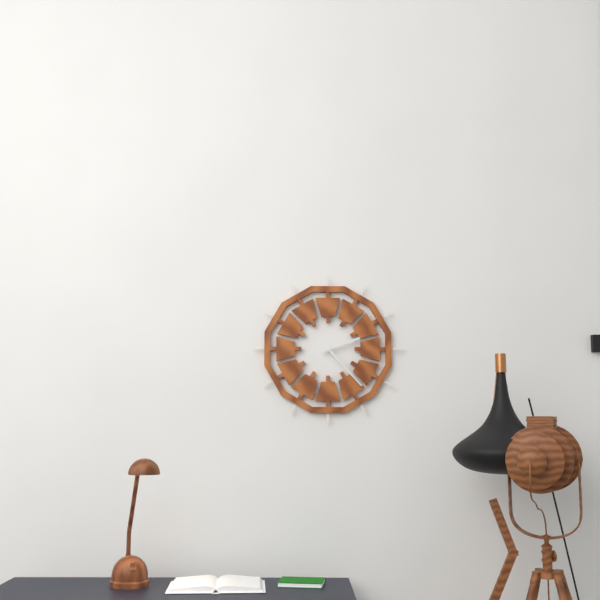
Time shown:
{"hour": 2, "minute": 23}
